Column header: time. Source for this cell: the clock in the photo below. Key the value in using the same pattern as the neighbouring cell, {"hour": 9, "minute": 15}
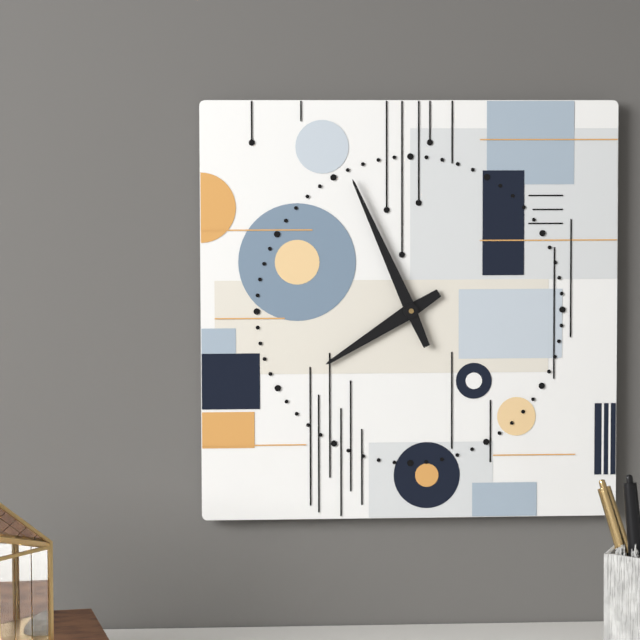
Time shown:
{"hour": 7, "minute": 56}
